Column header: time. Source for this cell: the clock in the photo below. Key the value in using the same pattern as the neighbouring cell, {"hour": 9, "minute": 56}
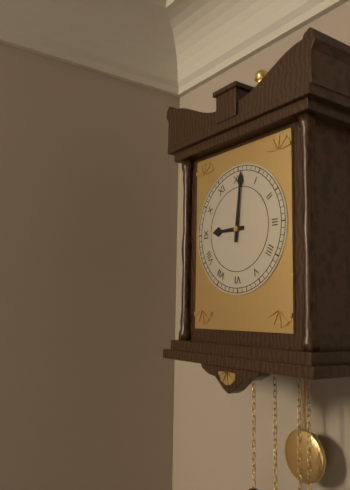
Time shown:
{"hour": 9, "minute": 1}
